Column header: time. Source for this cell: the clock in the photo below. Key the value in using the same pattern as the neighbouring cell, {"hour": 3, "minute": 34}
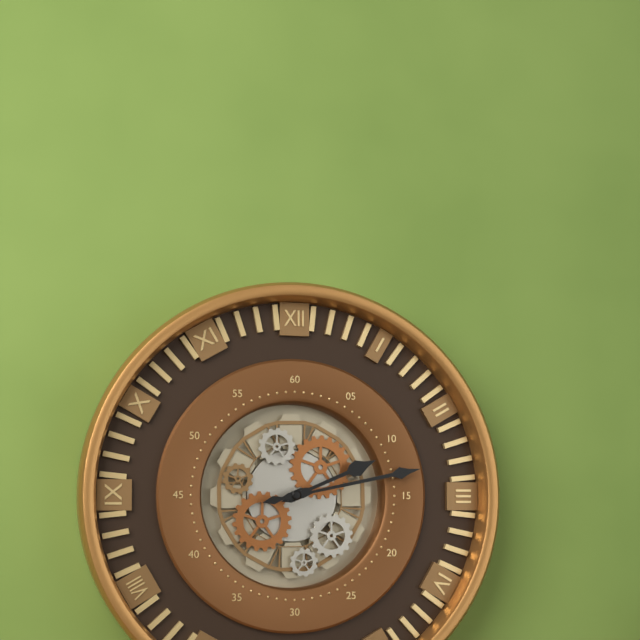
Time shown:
{"hour": 2, "minute": 13}
